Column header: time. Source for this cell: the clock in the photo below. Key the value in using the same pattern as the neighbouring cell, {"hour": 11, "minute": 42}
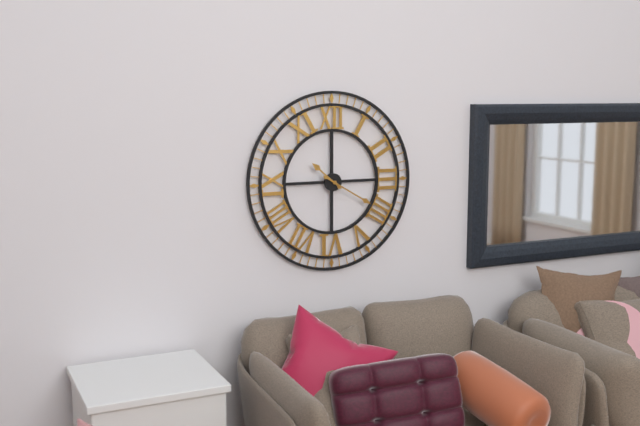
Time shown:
{"hour": 10, "minute": 20}
